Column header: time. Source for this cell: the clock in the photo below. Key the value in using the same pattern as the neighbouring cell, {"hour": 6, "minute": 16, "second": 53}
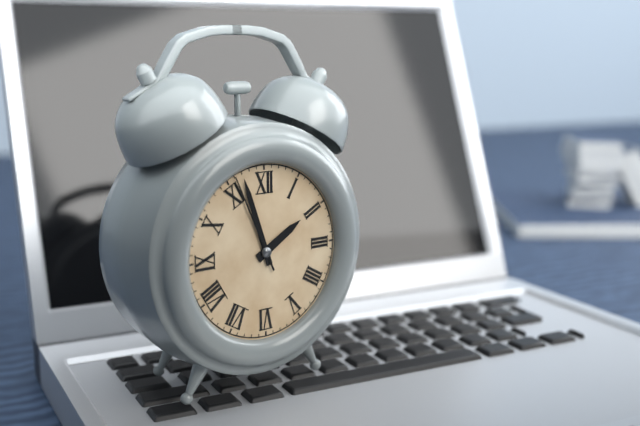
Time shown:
{"hour": 1, "minute": 57, "second": 56}
